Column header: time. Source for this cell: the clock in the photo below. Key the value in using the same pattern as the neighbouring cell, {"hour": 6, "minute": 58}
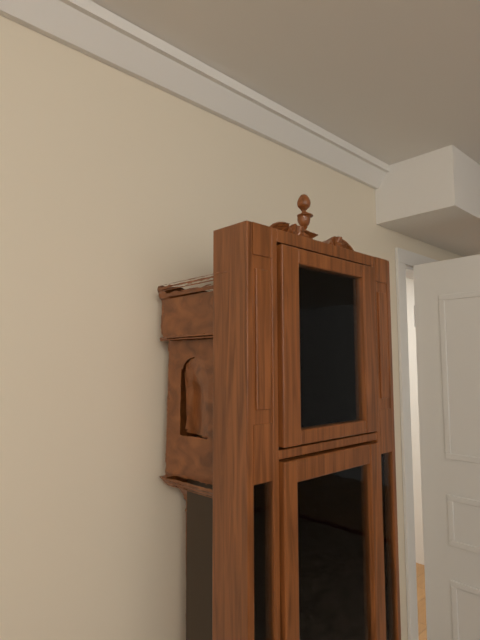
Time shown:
{"hour": 5, "minute": 6}
